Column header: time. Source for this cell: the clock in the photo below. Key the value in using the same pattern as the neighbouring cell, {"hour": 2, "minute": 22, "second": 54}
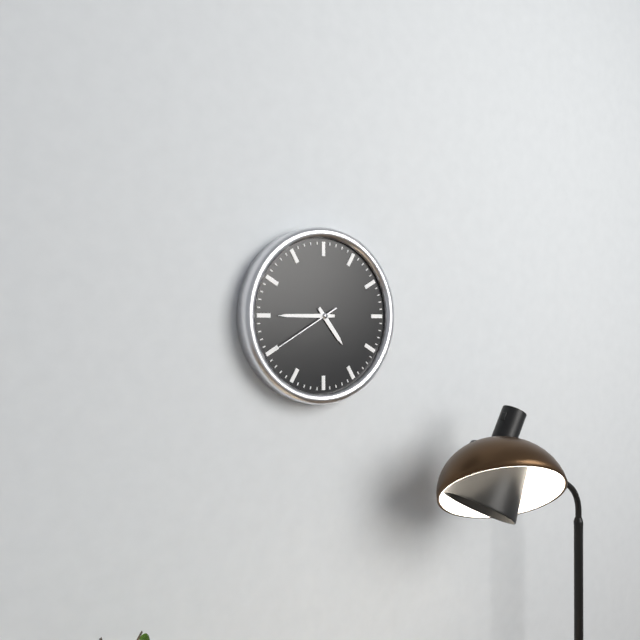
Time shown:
{"hour": 4, "minute": 45, "second": 40}
